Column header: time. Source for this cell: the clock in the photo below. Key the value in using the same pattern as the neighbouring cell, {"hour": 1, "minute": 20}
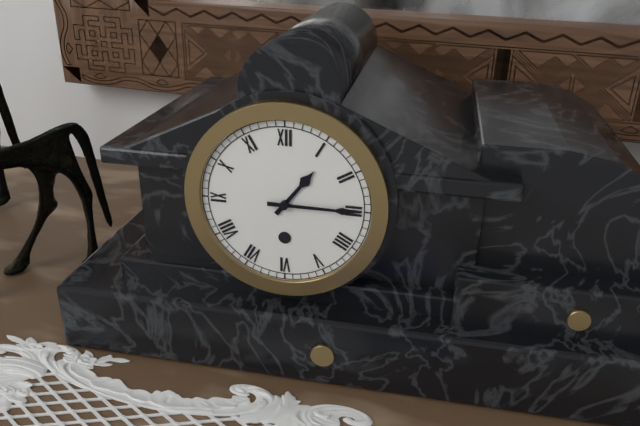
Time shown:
{"hour": 1, "minute": 15}
